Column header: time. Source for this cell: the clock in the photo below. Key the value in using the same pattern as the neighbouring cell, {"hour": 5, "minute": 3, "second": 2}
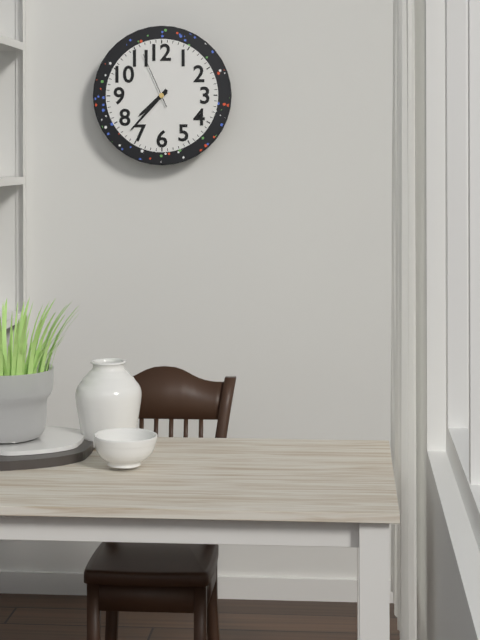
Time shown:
{"hour": 7, "minute": 37, "second": 56}
